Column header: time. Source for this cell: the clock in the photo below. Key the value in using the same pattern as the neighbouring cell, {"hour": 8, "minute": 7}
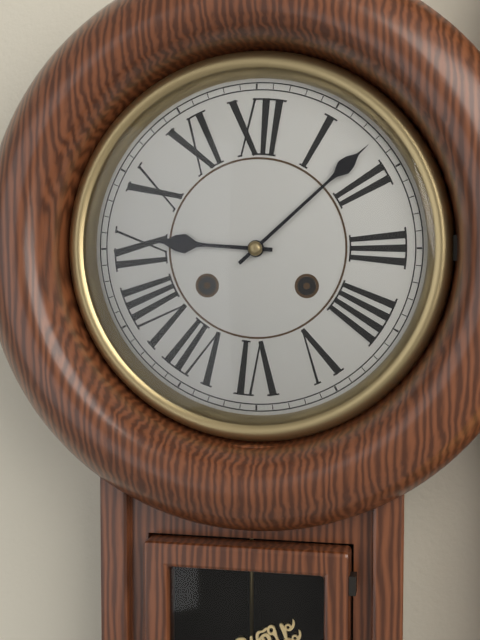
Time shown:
{"hour": 9, "minute": 8}
